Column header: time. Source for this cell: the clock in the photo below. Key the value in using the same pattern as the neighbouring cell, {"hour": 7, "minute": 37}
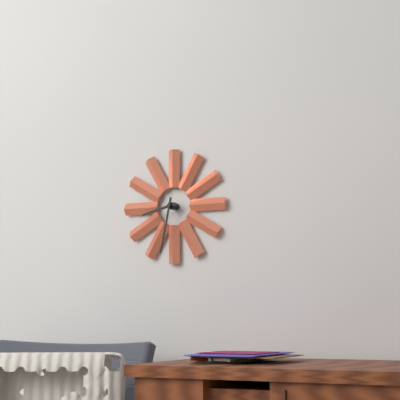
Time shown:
{"hour": 8, "minute": 32}
